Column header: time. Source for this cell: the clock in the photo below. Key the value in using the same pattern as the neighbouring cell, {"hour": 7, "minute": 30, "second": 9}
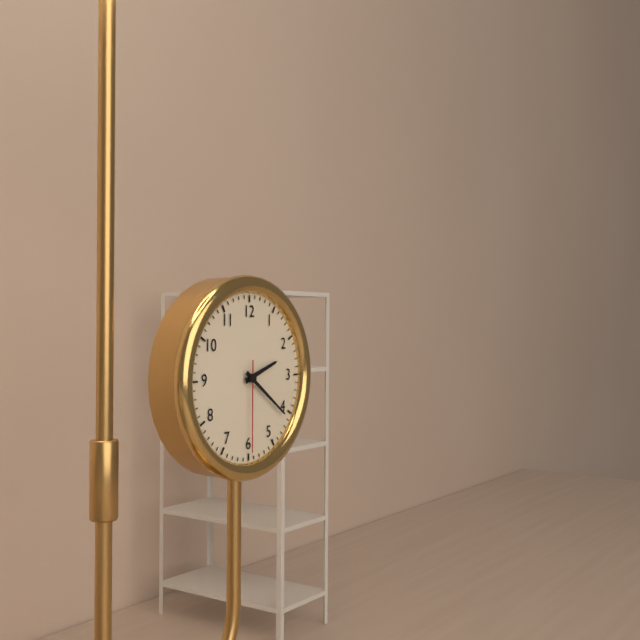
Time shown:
{"hour": 2, "minute": 21, "second": 30}
